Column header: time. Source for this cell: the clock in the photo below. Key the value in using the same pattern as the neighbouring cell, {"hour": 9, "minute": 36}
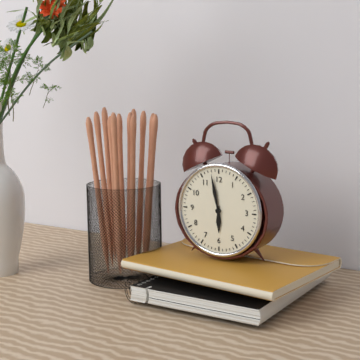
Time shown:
{"hour": 5, "minute": 58}
